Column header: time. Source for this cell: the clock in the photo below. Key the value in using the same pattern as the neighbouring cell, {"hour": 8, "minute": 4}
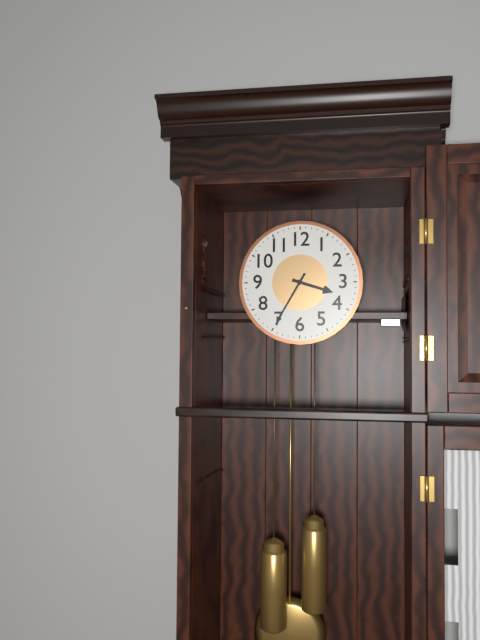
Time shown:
{"hour": 3, "minute": 35}
